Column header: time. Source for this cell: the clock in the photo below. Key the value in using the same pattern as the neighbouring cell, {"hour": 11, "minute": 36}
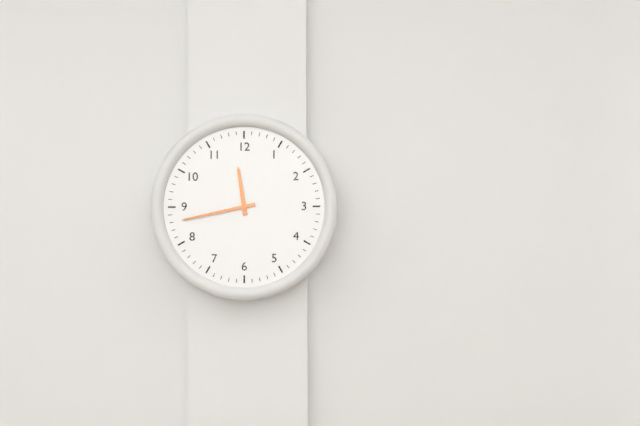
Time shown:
{"hour": 11, "minute": 43}
